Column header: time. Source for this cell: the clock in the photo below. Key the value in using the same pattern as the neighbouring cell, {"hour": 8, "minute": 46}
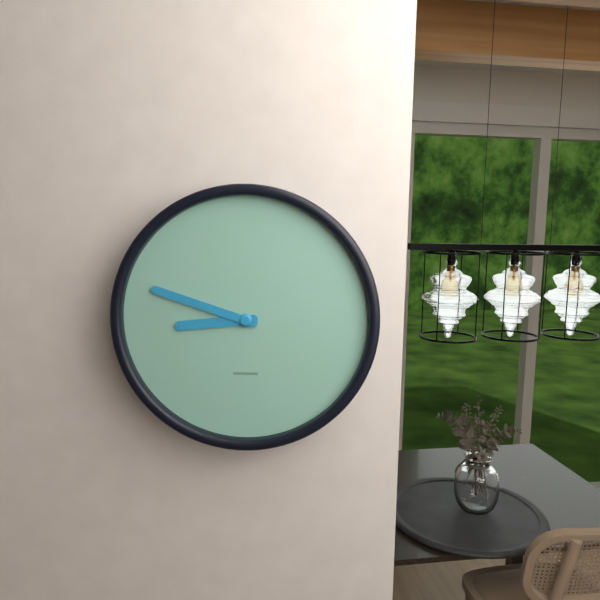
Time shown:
{"hour": 8, "minute": 48}
